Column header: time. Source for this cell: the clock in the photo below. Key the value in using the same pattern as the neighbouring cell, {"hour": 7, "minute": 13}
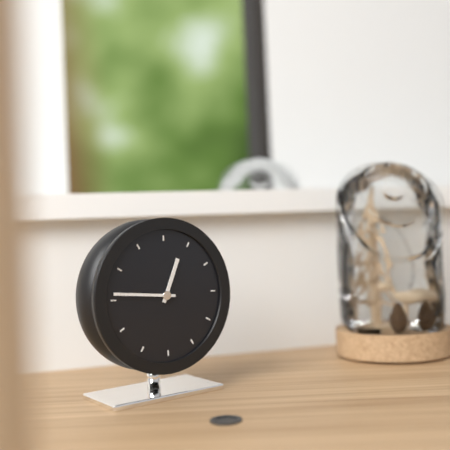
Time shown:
{"hour": 12, "minute": 46}
